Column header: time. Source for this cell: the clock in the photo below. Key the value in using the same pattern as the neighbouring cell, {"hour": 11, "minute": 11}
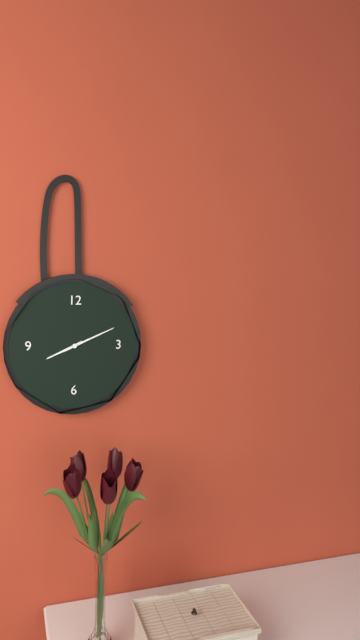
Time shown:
{"hour": 8, "minute": 11}
